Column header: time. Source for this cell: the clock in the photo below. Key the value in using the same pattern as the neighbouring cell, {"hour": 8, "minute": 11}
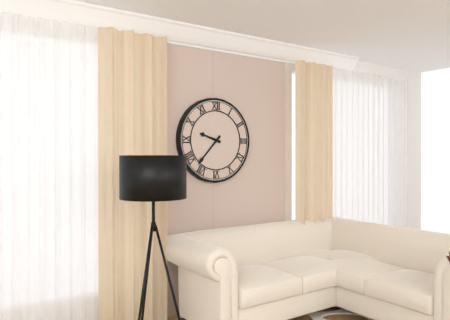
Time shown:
{"hour": 9, "minute": 37}
